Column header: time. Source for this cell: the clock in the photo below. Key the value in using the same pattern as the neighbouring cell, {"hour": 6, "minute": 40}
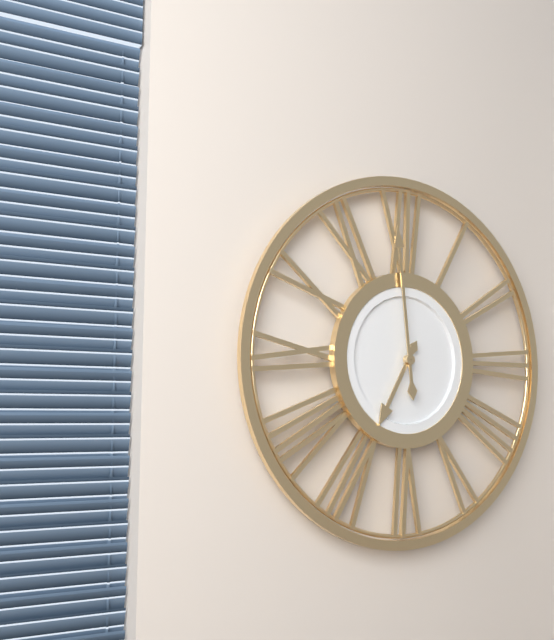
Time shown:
{"hour": 6, "minute": 59}
